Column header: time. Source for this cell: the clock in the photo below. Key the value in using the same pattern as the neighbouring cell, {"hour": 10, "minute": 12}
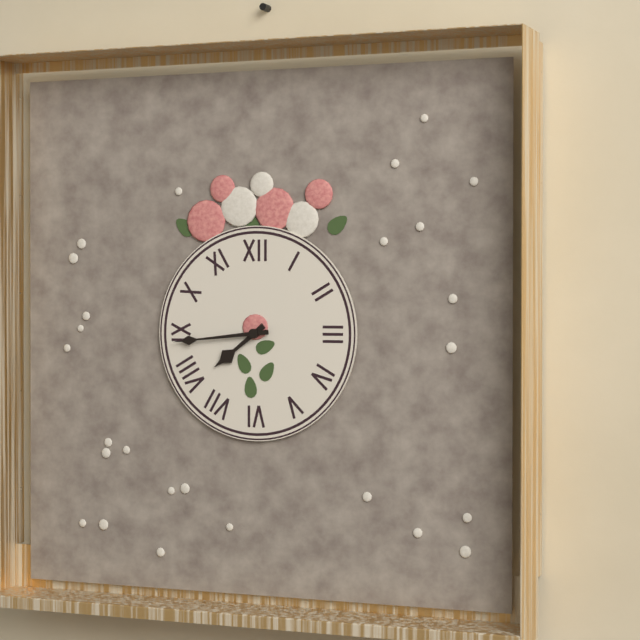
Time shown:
{"hour": 7, "minute": 44}
